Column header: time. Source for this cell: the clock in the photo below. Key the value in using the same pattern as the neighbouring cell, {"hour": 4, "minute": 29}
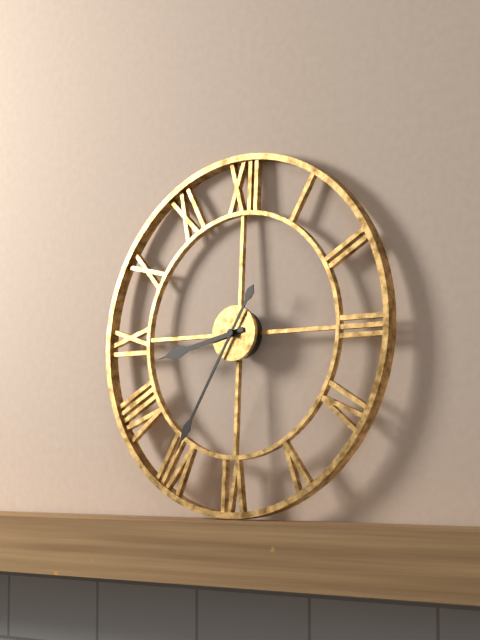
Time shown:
{"hour": 8, "minute": 35}
